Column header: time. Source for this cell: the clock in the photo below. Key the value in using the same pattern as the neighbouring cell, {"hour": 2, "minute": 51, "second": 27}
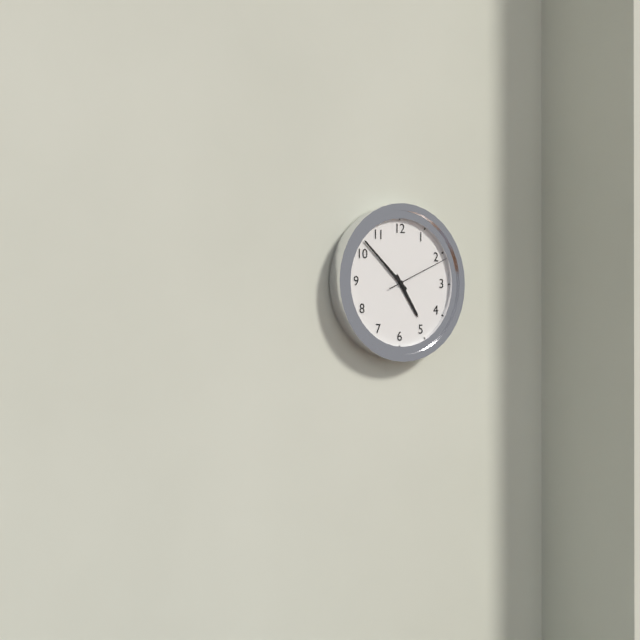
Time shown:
{"hour": 4, "minute": 52, "second": 11}
